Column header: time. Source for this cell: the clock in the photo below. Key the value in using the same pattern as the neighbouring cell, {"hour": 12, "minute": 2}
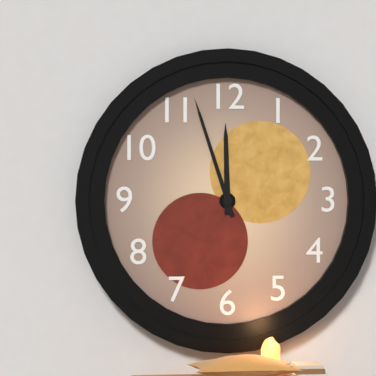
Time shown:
{"hour": 11, "minute": 57}
